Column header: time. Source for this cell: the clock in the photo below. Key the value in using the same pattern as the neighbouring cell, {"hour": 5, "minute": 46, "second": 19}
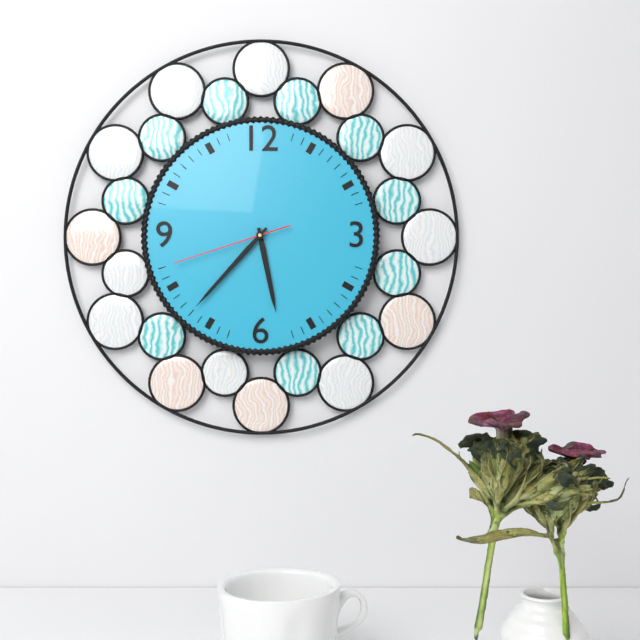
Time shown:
{"hour": 5, "minute": 37, "second": 42}
